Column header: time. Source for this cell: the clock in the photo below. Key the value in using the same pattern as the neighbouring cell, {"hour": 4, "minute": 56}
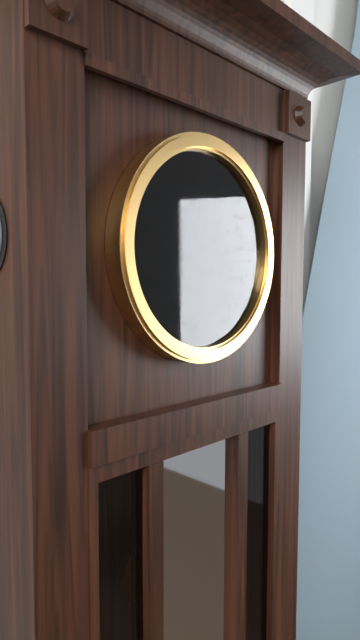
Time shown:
{"hour": 2, "minute": 20}
